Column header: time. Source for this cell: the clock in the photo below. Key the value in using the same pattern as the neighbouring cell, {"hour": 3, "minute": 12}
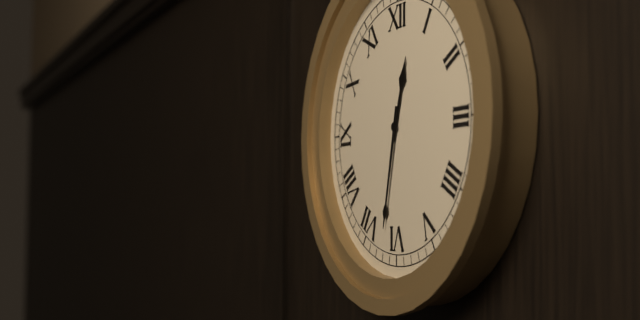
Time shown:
{"hour": 12, "minute": 32}
